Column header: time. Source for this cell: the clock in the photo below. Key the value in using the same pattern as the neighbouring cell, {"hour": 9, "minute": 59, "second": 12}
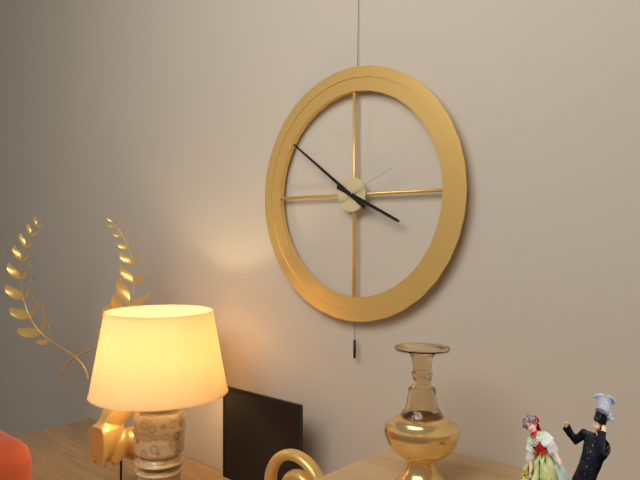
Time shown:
{"hour": 3, "minute": 51, "second": 11}
